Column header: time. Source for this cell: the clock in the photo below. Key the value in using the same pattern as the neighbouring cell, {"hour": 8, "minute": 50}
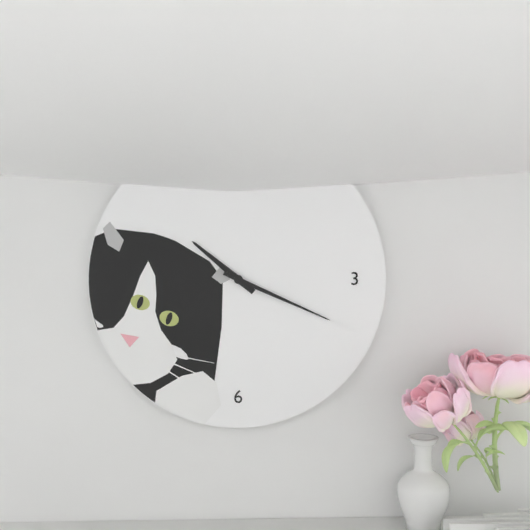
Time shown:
{"hour": 10, "minute": 19}
